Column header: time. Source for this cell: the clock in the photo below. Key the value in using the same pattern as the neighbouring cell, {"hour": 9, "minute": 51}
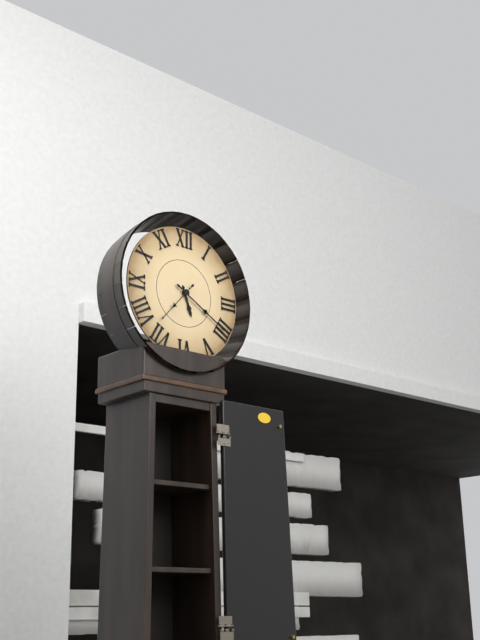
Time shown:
{"hour": 5, "minute": 20}
